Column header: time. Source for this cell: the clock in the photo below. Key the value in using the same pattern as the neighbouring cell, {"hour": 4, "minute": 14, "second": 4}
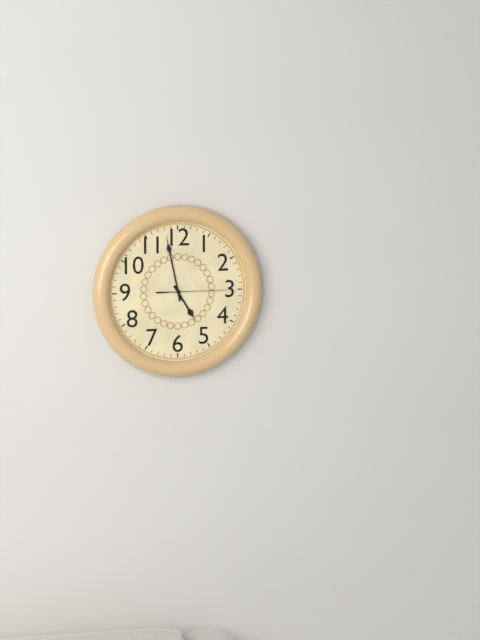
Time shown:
{"hour": 4, "minute": 58, "second": 15}
